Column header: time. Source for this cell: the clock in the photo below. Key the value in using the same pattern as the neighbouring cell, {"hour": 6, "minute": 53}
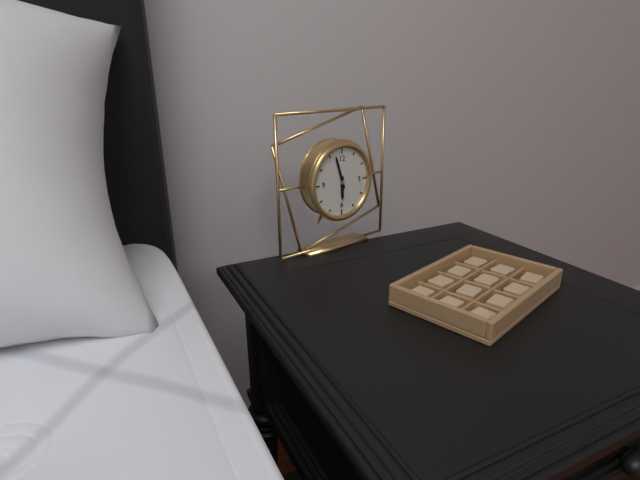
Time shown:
{"hour": 5, "minute": 57}
